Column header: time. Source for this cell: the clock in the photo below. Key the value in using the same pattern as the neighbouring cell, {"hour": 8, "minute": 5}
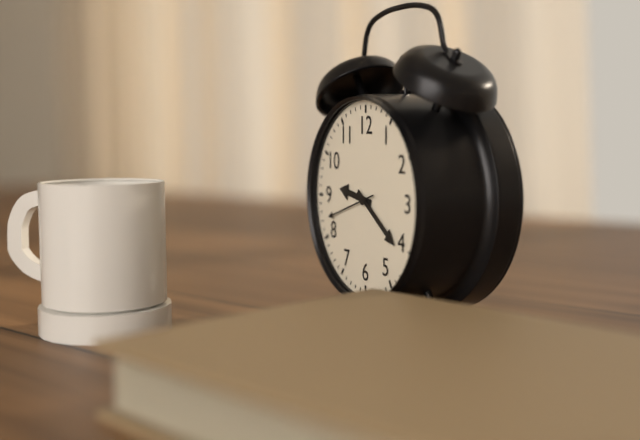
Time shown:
{"hour": 9, "minute": 21}
